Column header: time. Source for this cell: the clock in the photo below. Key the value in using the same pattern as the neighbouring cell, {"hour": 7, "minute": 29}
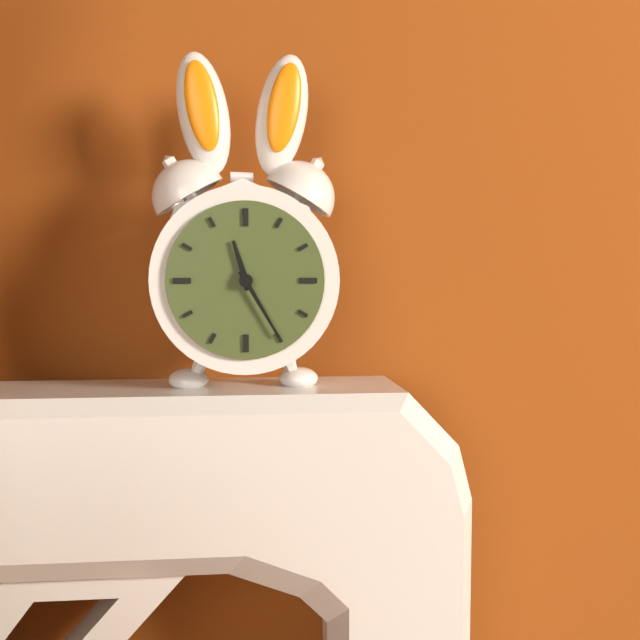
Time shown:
{"hour": 11, "minute": 25}
